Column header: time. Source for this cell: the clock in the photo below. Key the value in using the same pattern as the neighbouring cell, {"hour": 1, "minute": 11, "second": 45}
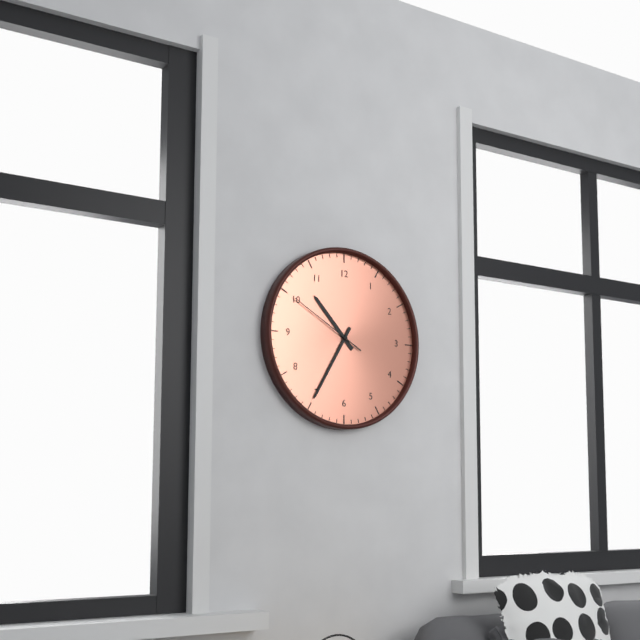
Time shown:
{"hour": 10, "minute": 35, "second": 50}
